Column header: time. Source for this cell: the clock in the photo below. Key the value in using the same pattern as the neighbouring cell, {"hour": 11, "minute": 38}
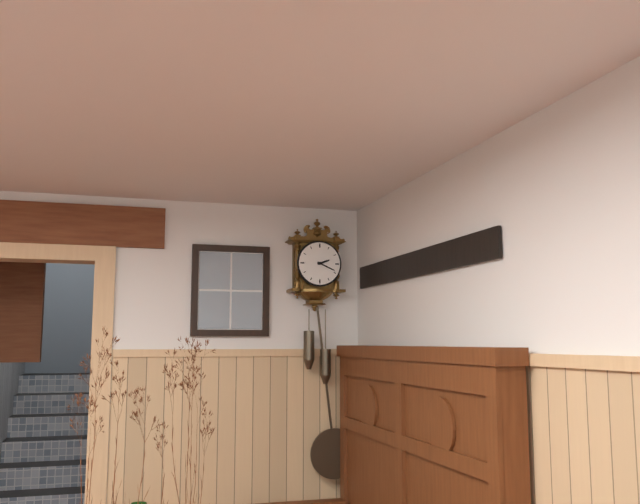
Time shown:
{"hour": 2, "minute": 19}
